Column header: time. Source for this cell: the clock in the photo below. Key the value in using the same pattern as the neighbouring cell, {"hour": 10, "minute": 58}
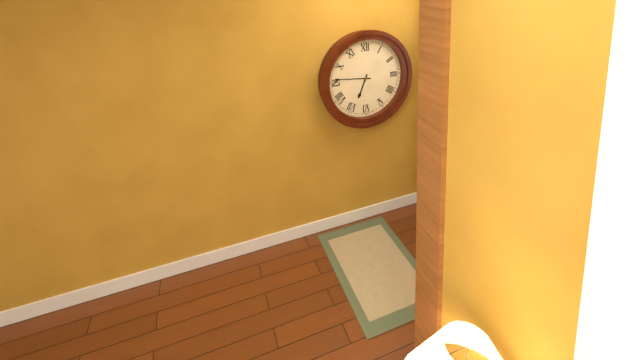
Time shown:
{"hour": 6, "minute": 46}
